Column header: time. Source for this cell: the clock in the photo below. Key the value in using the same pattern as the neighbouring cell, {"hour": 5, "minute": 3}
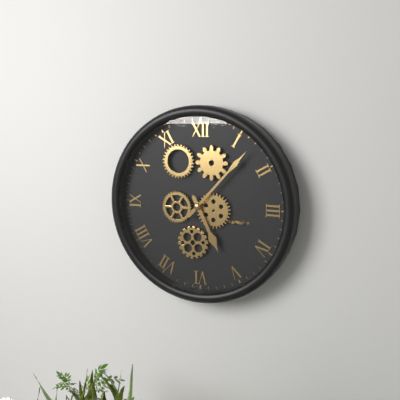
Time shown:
{"hour": 5, "minute": 7}
